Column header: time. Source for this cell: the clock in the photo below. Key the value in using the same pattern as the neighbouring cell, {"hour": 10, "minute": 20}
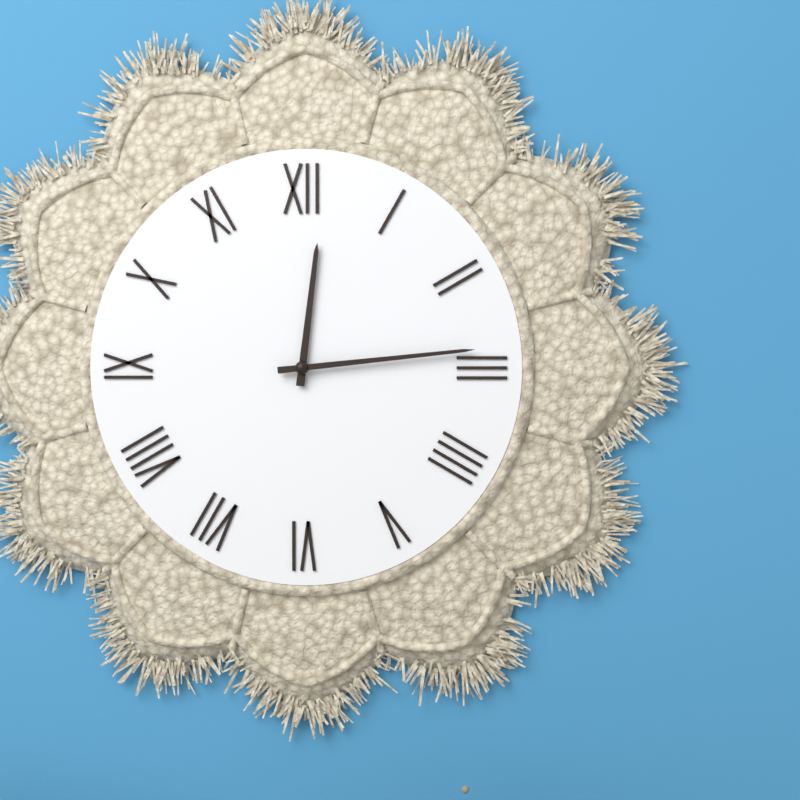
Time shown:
{"hour": 12, "minute": 14}
